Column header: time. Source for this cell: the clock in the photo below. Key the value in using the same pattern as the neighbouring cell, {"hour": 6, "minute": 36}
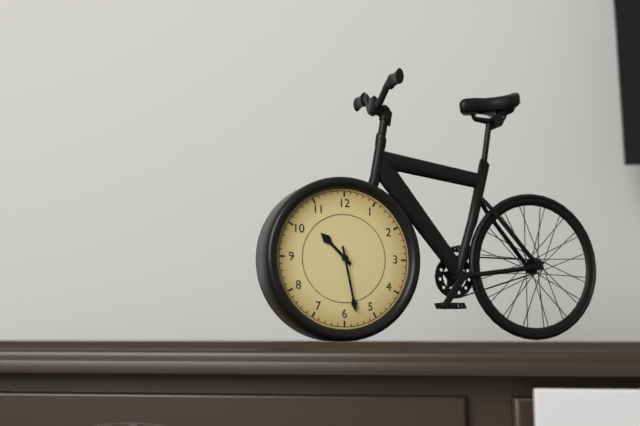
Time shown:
{"hour": 10, "minute": 28}
